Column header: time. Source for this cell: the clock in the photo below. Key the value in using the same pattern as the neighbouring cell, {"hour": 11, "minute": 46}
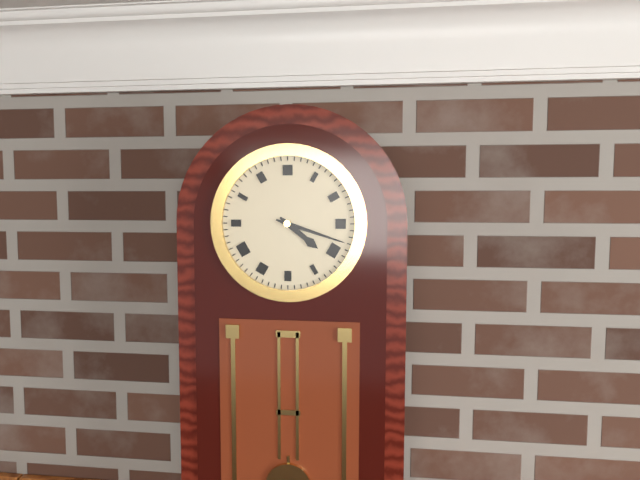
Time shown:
{"hour": 4, "minute": 18}
